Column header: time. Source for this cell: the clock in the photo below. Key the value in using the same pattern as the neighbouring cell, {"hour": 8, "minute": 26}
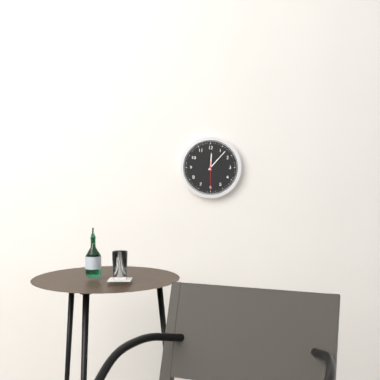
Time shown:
{"hour": 12, "minute": 7}
